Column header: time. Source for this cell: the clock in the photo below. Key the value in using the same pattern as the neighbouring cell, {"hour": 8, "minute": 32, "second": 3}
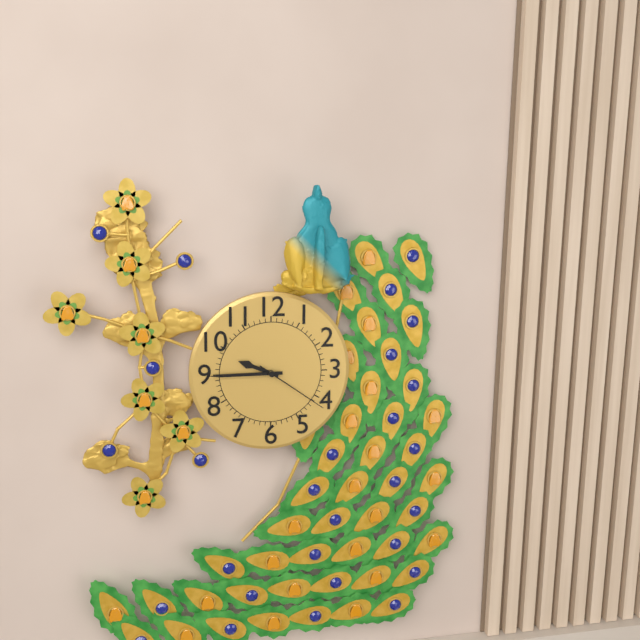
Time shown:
{"hour": 9, "minute": 45, "second": 21}
